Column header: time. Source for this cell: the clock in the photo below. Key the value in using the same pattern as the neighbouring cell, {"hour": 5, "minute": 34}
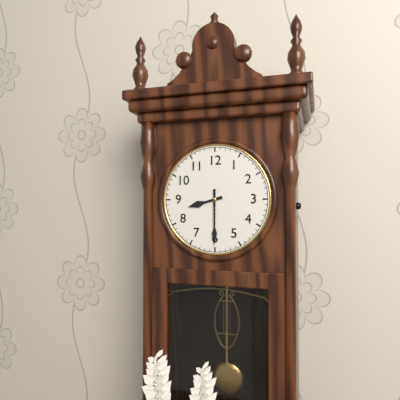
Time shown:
{"hour": 8, "minute": 30}
